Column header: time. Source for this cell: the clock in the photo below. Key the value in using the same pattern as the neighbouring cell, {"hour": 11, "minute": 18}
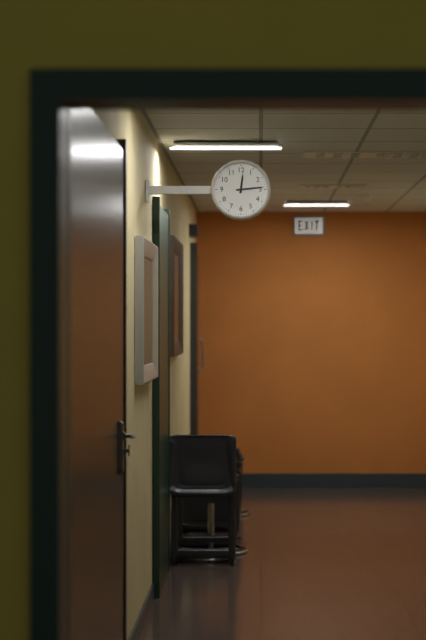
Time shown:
{"hour": 12, "minute": 14}
